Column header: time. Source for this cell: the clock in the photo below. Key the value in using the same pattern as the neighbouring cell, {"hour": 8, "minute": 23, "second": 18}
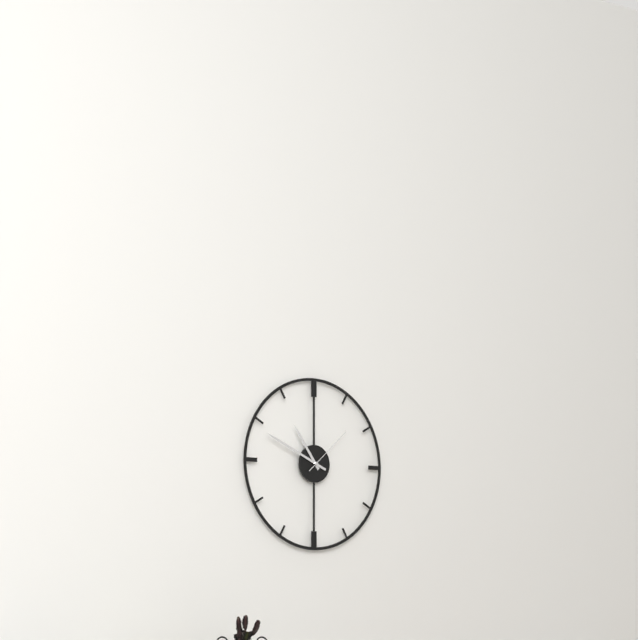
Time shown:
{"hour": 10, "minute": 49, "second": 8}
